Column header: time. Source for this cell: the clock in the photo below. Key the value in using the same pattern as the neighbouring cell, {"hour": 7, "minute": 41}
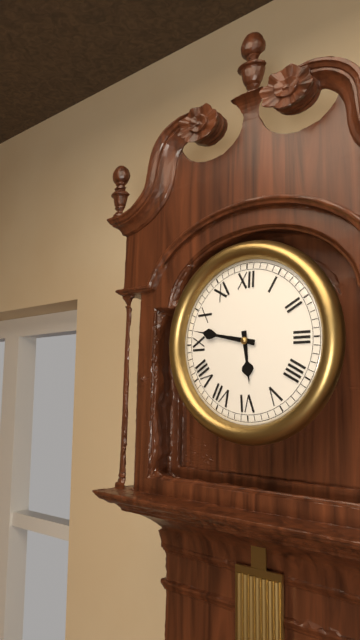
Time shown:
{"hour": 5, "minute": 47}
